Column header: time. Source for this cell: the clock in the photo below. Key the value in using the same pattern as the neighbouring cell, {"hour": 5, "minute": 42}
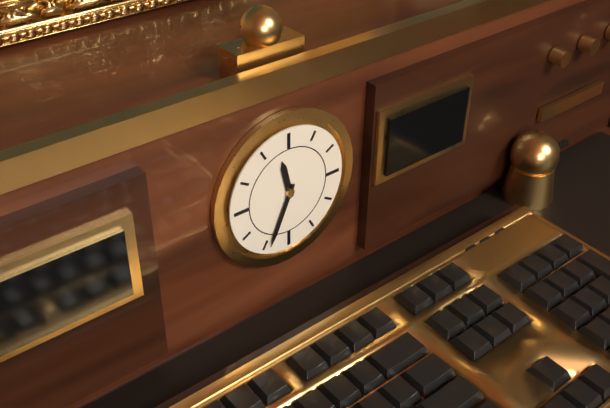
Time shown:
{"hour": 11, "minute": 34}
